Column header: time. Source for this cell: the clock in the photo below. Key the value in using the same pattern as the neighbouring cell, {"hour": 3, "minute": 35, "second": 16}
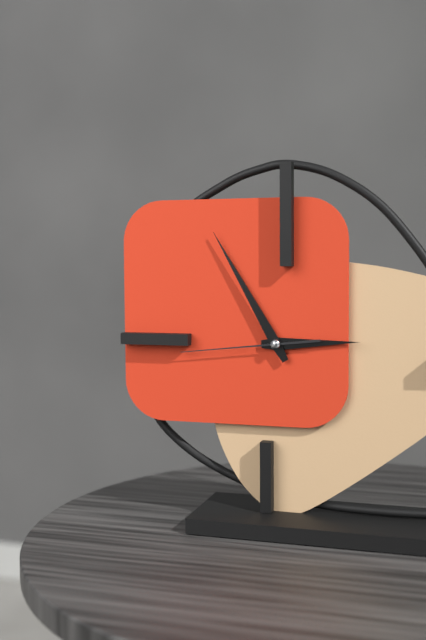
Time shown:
{"hour": 2, "minute": 55, "second": 44}
